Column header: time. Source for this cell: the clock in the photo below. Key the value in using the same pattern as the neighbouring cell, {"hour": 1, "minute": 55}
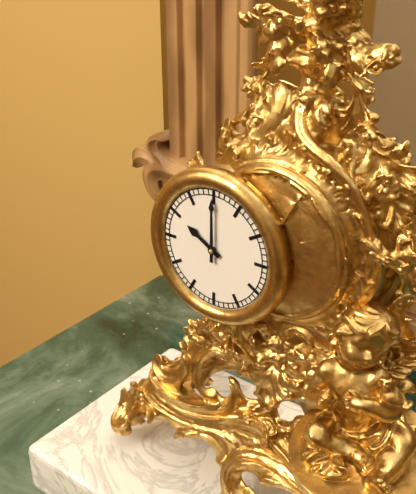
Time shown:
{"hour": 10, "minute": 0}
